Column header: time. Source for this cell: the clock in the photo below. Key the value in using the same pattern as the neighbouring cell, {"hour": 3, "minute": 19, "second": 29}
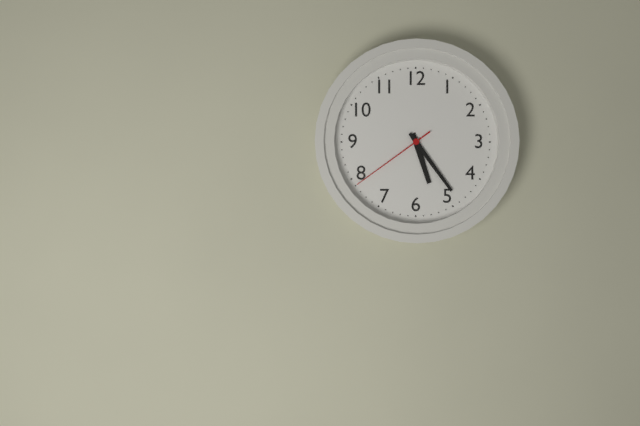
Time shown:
{"hour": 5, "minute": 24, "second": 39}
